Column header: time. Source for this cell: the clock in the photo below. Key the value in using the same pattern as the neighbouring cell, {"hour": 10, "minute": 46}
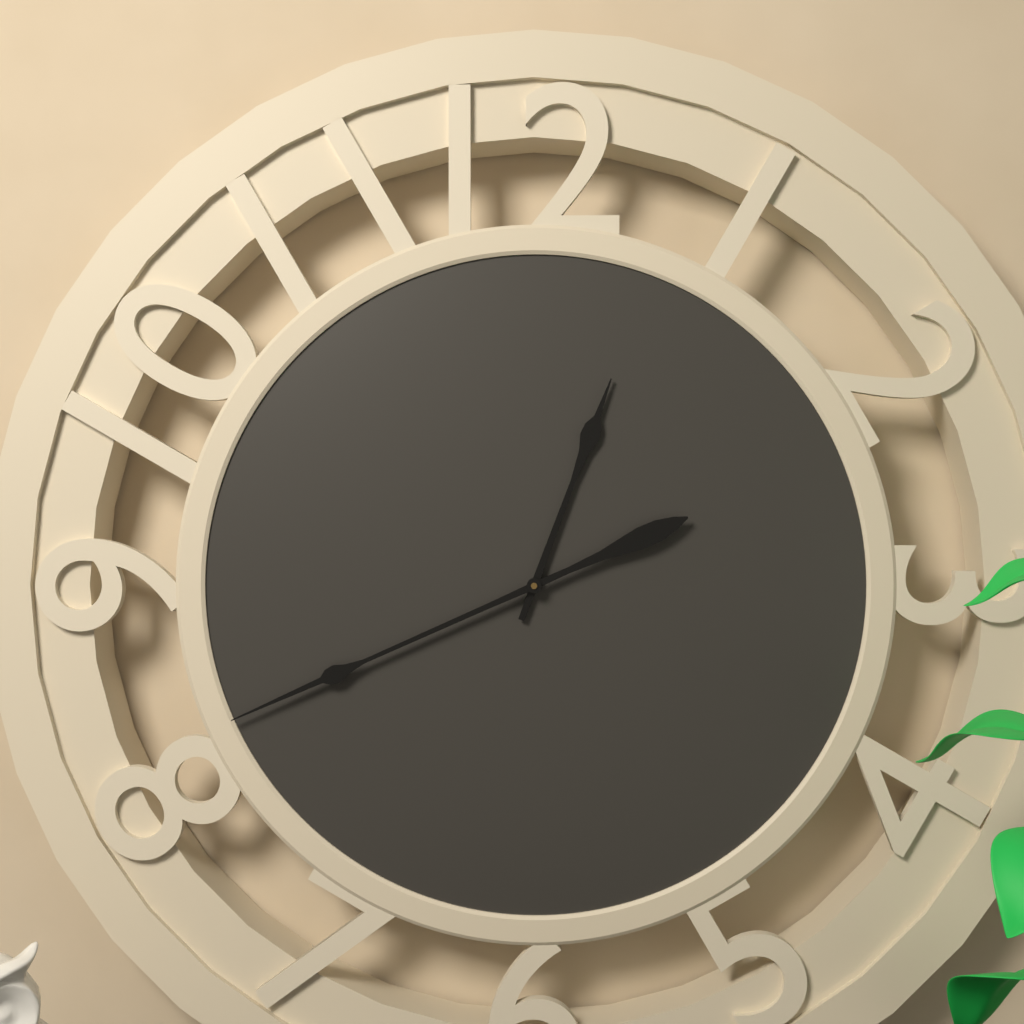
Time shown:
{"hour": 12, "minute": 41}
